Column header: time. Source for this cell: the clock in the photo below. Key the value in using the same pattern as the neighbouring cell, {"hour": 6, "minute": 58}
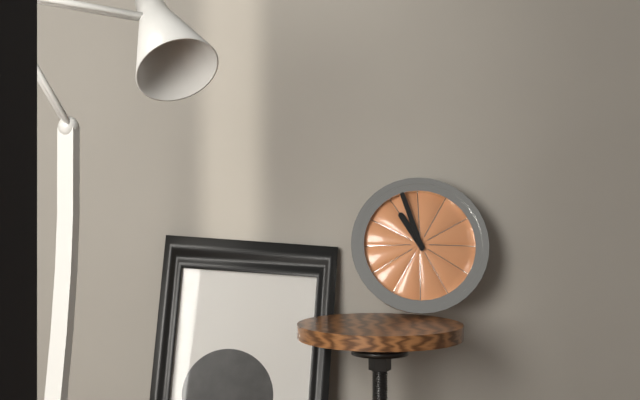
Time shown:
{"hour": 10, "minute": 57}
